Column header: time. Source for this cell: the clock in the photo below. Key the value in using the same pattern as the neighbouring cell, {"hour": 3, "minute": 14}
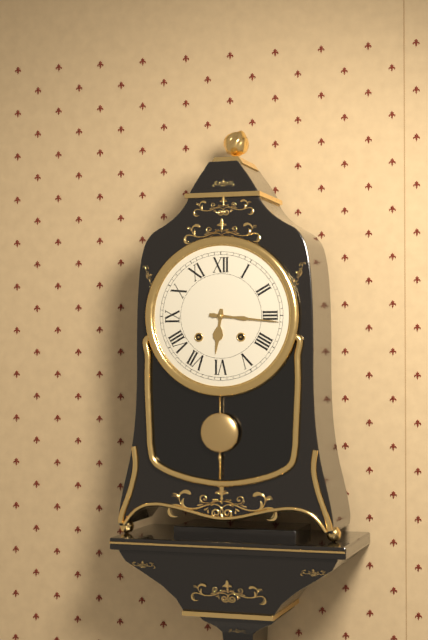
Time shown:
{"hour": 6, "minute": 16}
